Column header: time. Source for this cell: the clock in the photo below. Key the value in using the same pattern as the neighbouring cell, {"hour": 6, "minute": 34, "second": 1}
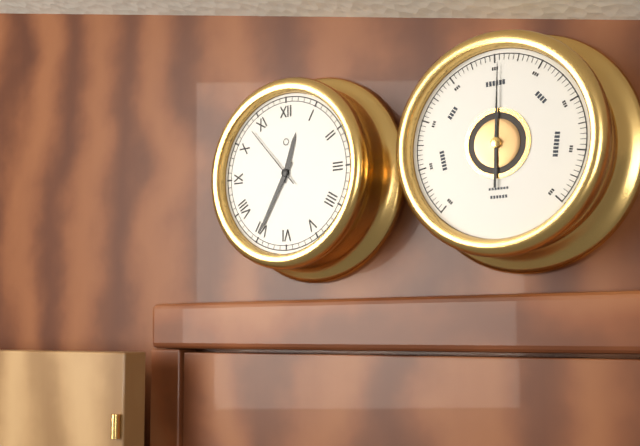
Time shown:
{"hour": 12, "minute": 35, "second": 53}
